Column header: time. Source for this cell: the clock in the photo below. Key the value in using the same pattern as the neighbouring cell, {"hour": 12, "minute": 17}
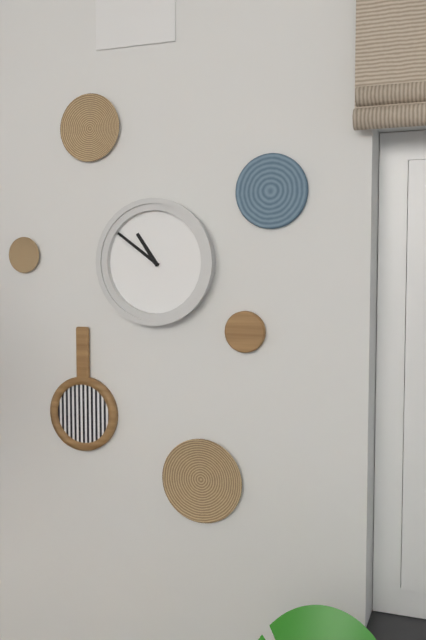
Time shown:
{"hour": 10, "minute": 51}
